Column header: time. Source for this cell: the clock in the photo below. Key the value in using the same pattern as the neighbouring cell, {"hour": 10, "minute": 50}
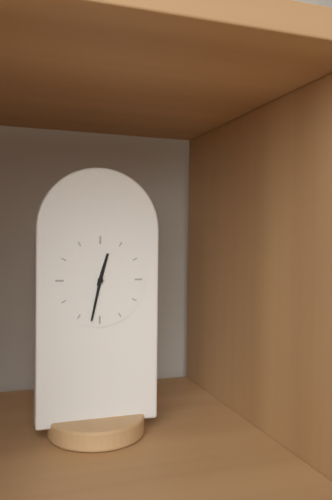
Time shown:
{"hour": 12, "minute": 32}
